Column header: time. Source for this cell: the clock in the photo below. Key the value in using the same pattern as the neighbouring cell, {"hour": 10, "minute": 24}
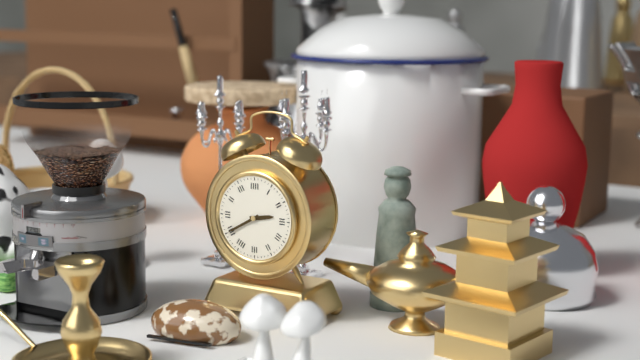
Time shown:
{"hour": 2, "minute": 40}
